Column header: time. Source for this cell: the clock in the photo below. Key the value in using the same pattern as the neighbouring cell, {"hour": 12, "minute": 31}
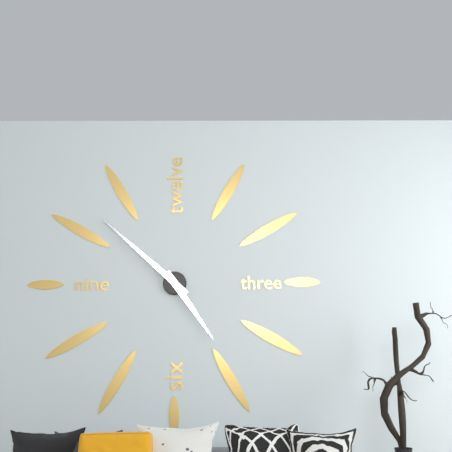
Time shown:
{"hour": 4, "minute": 52}
